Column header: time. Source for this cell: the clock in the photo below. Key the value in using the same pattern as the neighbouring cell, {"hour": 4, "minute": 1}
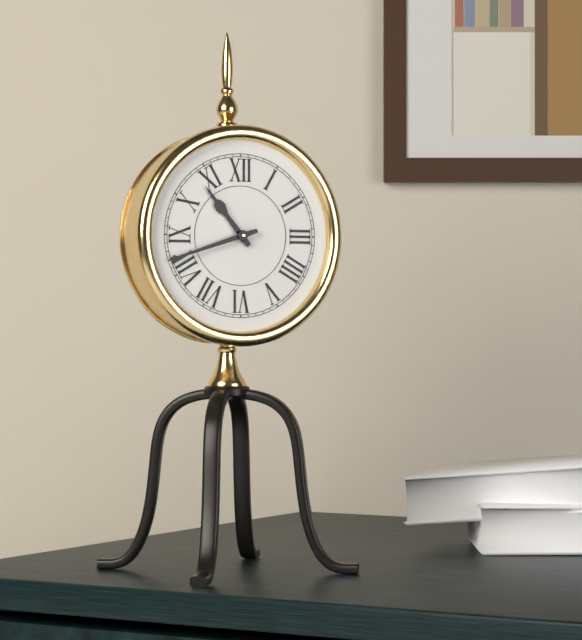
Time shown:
{"hour": 10, "minute": 42}
